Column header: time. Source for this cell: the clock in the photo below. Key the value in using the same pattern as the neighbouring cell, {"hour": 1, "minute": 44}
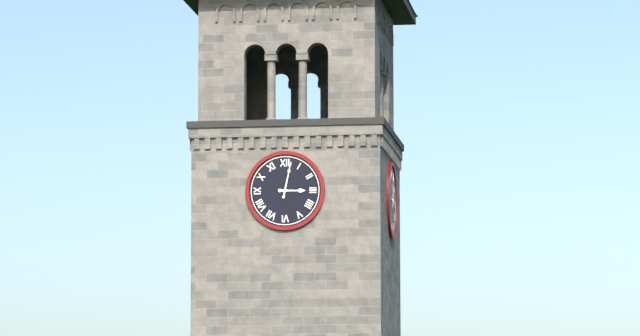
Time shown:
{"hour": 3, "minute": 2}
